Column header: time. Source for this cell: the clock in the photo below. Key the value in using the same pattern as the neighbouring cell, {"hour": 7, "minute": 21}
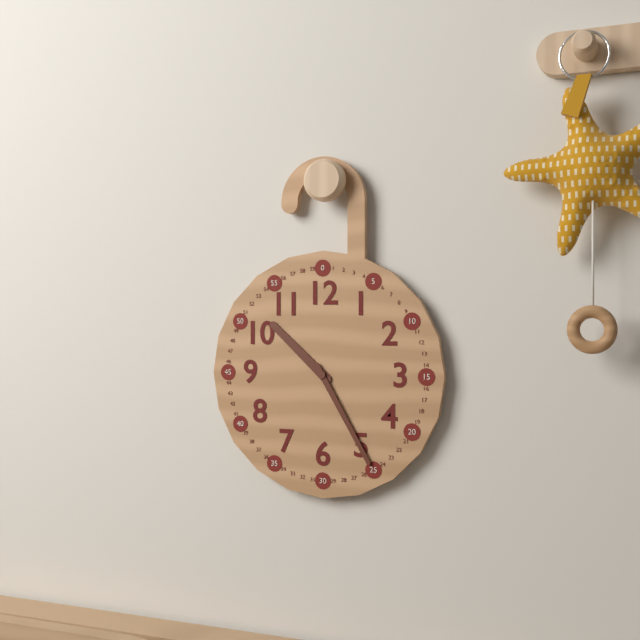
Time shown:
{"hour": 10, "minute": 25}
